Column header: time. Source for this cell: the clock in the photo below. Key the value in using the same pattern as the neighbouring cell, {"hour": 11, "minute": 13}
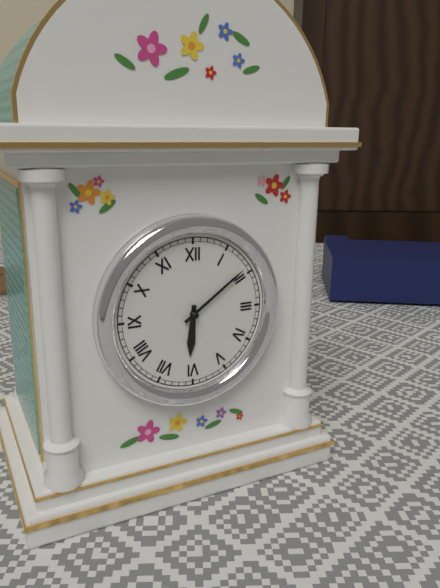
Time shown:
{"hour": 6, "minute": 9}
